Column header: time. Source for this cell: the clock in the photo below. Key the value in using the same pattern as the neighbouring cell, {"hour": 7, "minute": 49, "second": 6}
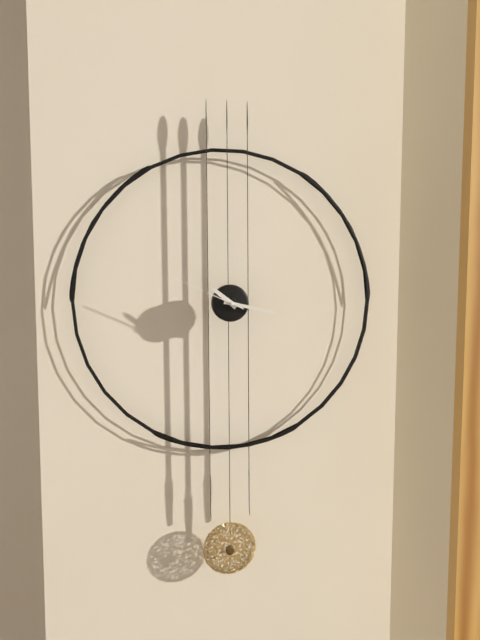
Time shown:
{"hour": 10, "minute": 17, "second": 49}
